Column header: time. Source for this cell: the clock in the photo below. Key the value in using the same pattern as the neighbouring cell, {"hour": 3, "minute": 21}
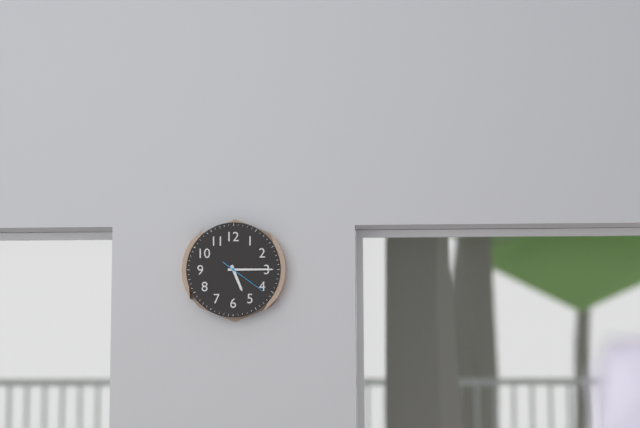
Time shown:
{"hour": 5, "minute": 15}
